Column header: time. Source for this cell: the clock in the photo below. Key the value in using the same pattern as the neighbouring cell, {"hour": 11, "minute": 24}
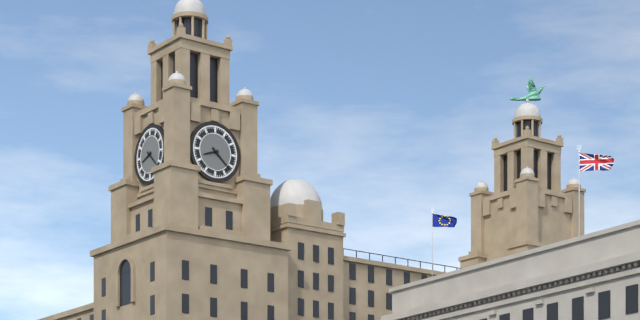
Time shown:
{"hour": 8, "minute": 22}
